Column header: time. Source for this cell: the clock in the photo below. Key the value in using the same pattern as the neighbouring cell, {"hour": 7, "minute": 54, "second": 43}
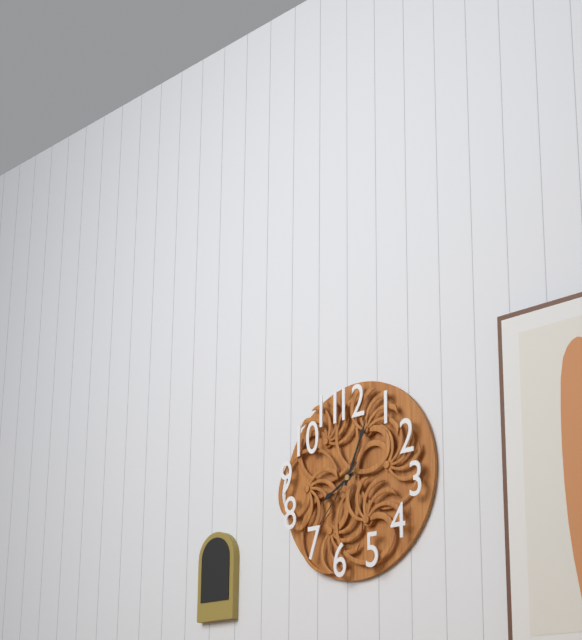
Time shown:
{"hour": 8, "minute": 4, "second": 37}
